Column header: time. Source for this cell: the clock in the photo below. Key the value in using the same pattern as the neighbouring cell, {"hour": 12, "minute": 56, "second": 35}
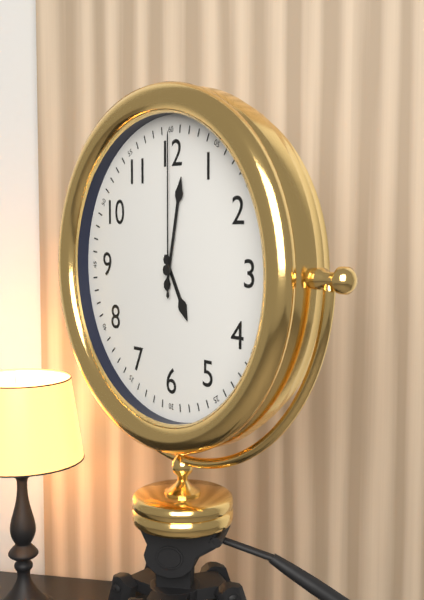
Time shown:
{"hour": 5, "minute": 2, "second": 0}
